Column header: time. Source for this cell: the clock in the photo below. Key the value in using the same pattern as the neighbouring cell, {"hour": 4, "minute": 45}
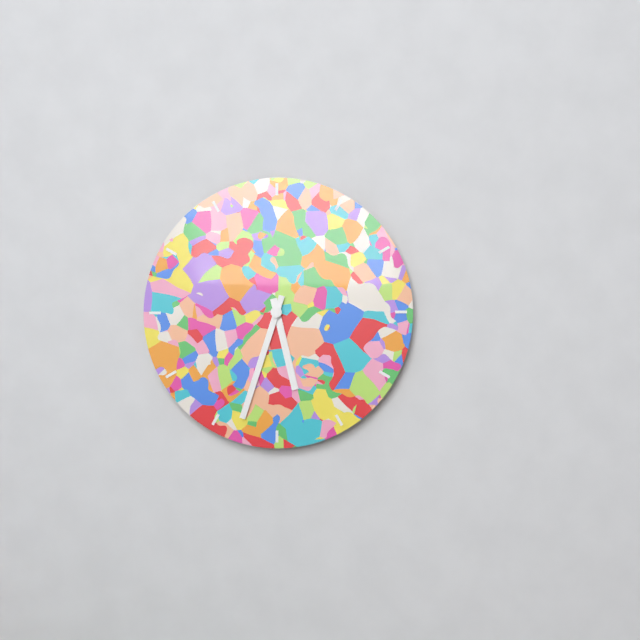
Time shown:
{"hour": 5, "minute": 33}
